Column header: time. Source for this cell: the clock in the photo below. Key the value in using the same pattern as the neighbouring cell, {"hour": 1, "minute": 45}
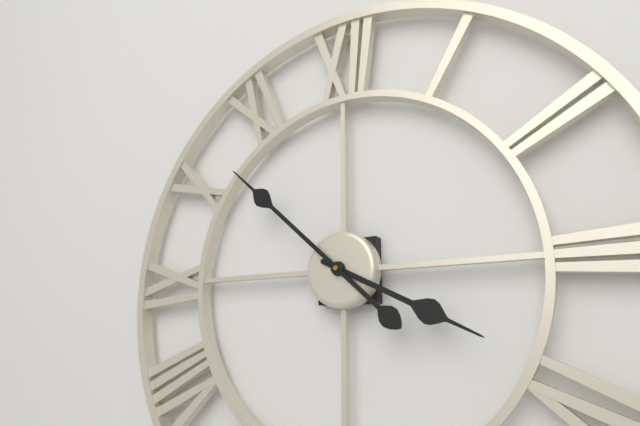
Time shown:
{"hour": 3, "minute": 52}
